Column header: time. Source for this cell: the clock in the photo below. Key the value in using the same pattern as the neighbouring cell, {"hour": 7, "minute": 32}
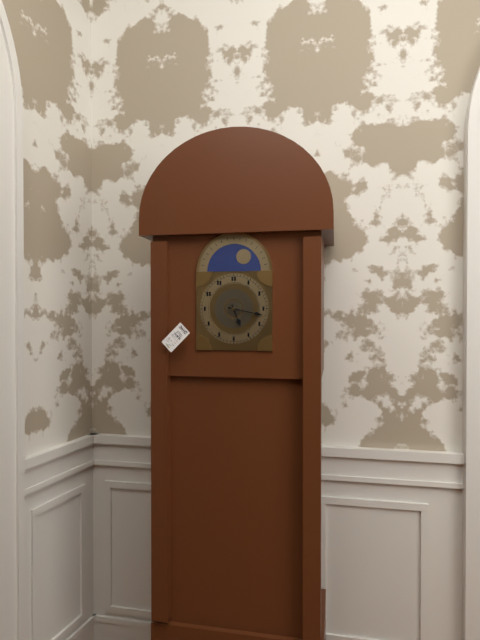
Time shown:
{"hour": 5, "minute": 17}
